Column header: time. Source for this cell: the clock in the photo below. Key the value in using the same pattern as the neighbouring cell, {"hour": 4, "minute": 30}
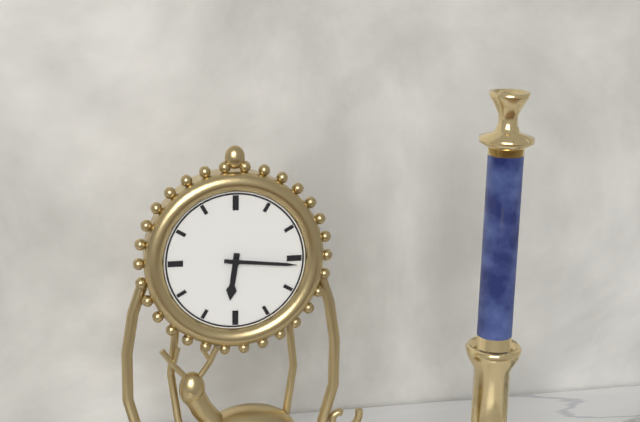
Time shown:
{"hour": 6, "minute": 16}
